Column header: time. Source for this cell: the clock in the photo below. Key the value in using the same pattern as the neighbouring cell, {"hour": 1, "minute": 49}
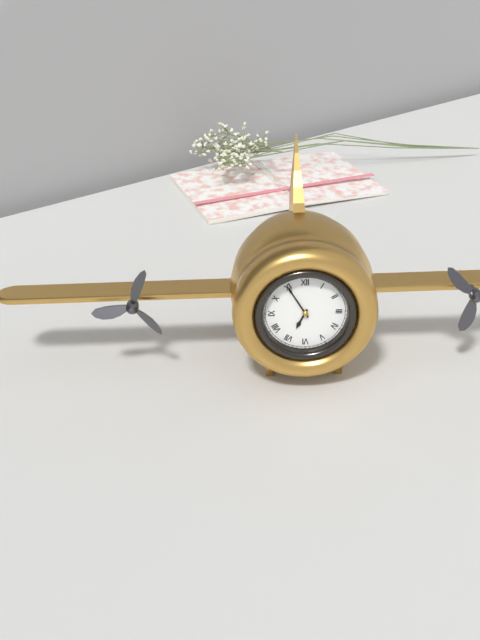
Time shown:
{"hour": 6, "minute": 55}
